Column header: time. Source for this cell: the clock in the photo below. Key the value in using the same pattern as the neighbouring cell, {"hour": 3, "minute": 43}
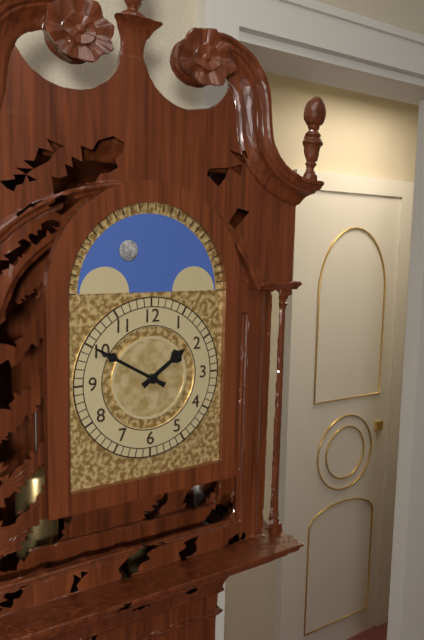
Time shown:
{"hour": 1, "minute": 50}
